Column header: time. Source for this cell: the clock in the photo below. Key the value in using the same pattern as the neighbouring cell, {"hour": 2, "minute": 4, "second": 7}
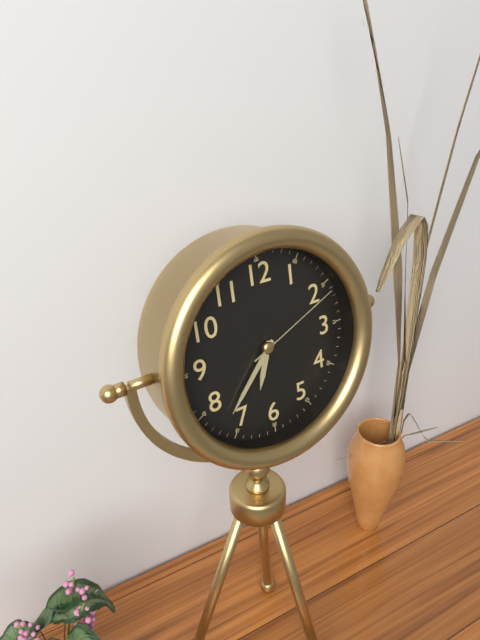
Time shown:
{"hour": 6, "minute": 37, "second": 11}
